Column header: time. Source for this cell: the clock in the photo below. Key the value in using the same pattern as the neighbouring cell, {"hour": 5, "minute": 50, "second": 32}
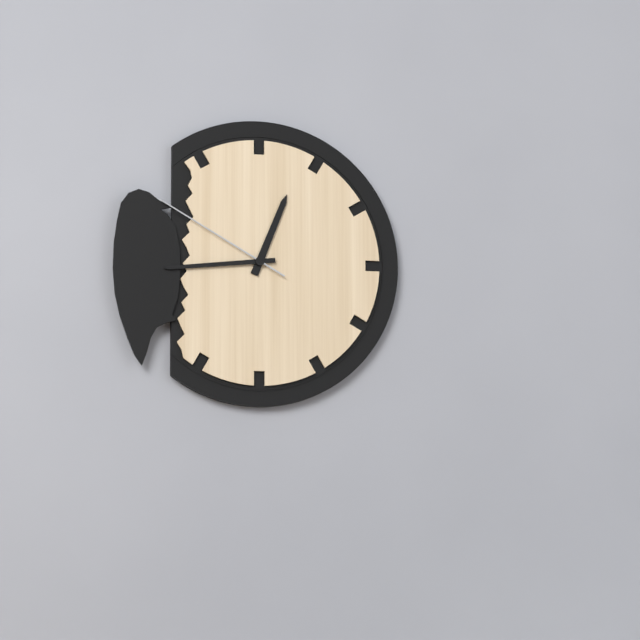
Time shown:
{"hour": 12, "minute": 44, "second": 50}
